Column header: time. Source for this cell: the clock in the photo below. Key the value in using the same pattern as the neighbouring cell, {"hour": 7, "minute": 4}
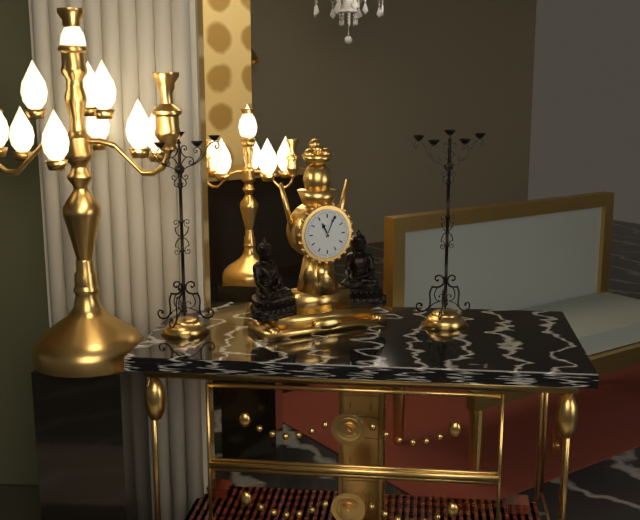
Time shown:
{"hour": 11, "minute": 4}
